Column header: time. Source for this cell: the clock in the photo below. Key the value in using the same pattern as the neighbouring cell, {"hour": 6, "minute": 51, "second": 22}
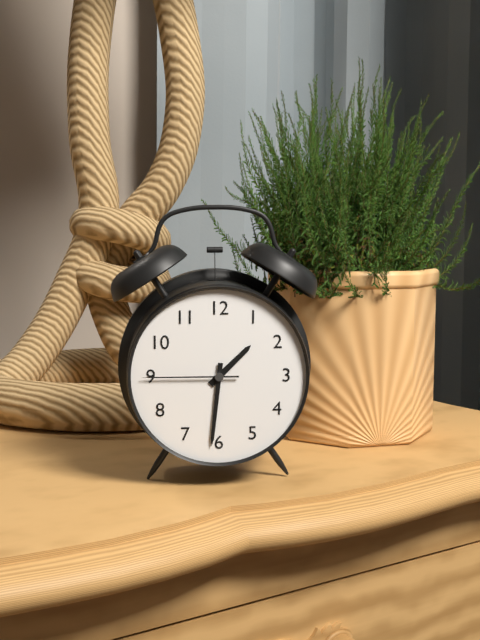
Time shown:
{"hour": 1, "minute": 31, "second": 45}
